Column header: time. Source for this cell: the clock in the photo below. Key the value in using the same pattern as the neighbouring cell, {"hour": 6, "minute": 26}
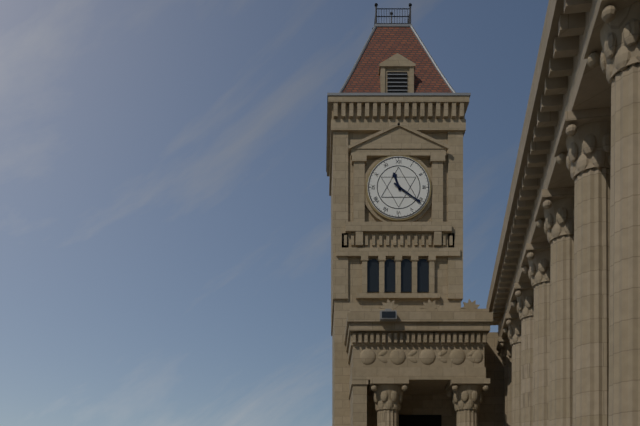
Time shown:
{"hour": 11, "minute": 21}
